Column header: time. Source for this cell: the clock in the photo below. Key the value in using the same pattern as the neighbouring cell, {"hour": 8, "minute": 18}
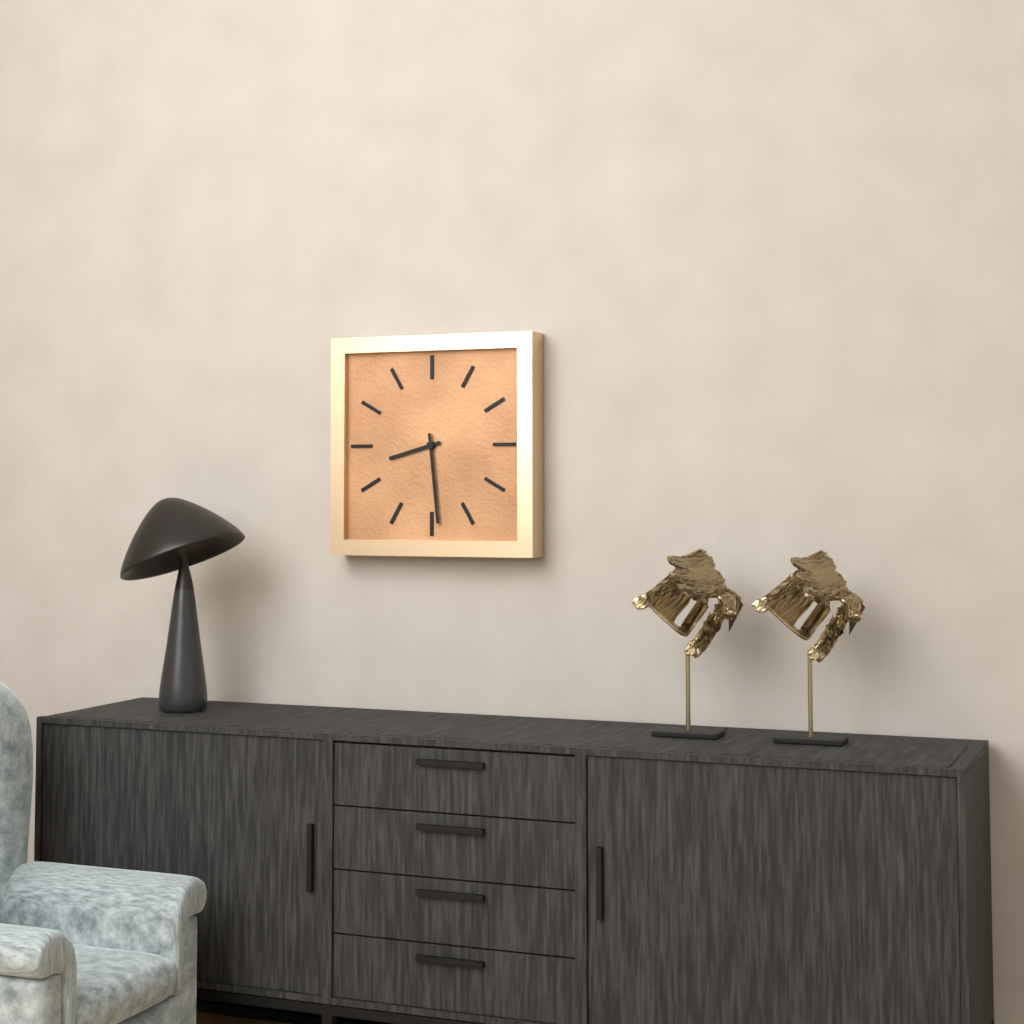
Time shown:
{"hour": 8, "minute": 29}
